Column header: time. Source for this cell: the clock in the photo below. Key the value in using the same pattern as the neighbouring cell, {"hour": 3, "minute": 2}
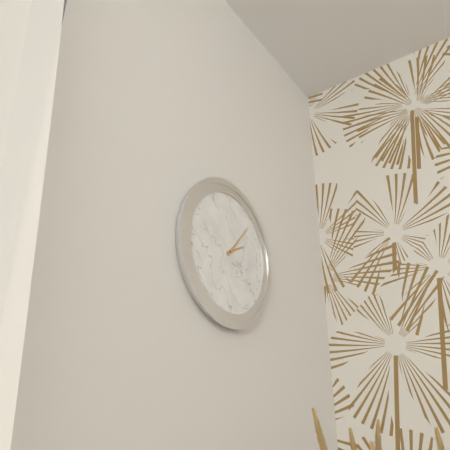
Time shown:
{"hour": 2, "minute": 7}
